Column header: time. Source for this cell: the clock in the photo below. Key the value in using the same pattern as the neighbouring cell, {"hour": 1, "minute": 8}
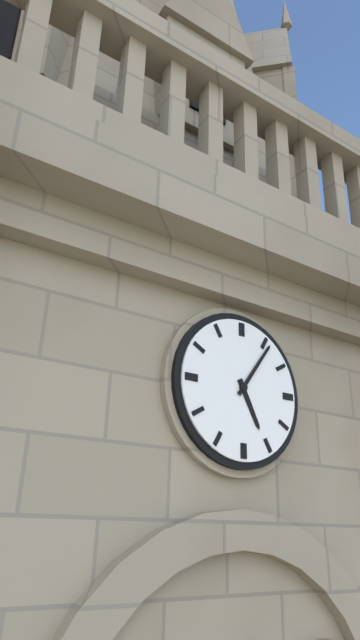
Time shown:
{"hour": 5, "minute": 6}
